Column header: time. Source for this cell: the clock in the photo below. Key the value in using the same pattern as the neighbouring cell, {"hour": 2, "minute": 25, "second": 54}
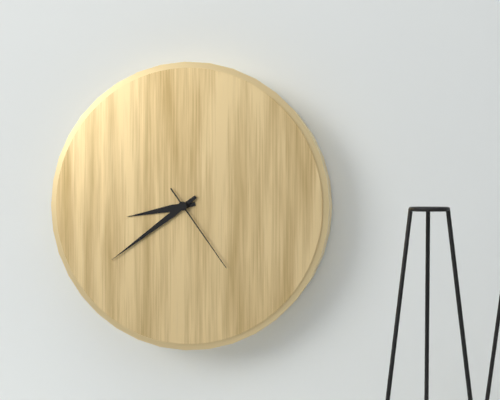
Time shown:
{"hour": 8, "minute": 39, "second": 24}
